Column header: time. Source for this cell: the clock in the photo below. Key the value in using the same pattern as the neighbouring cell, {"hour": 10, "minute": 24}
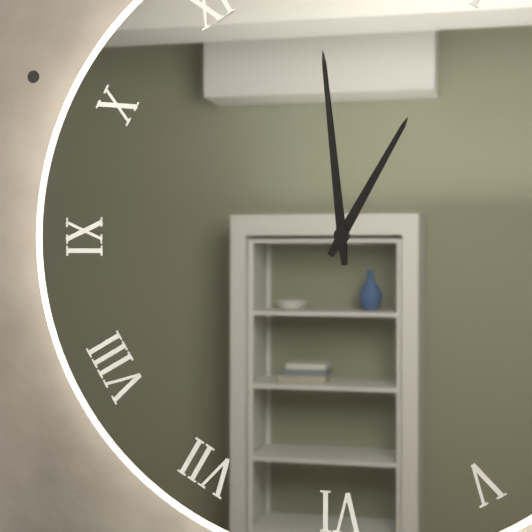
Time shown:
{"hour": 12, "minute": 59}
